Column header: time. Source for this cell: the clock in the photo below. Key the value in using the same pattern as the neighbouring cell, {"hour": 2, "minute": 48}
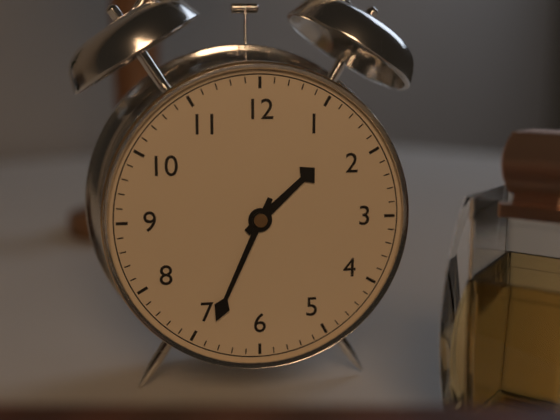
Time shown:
{"hour": 1, "minute": 34}
